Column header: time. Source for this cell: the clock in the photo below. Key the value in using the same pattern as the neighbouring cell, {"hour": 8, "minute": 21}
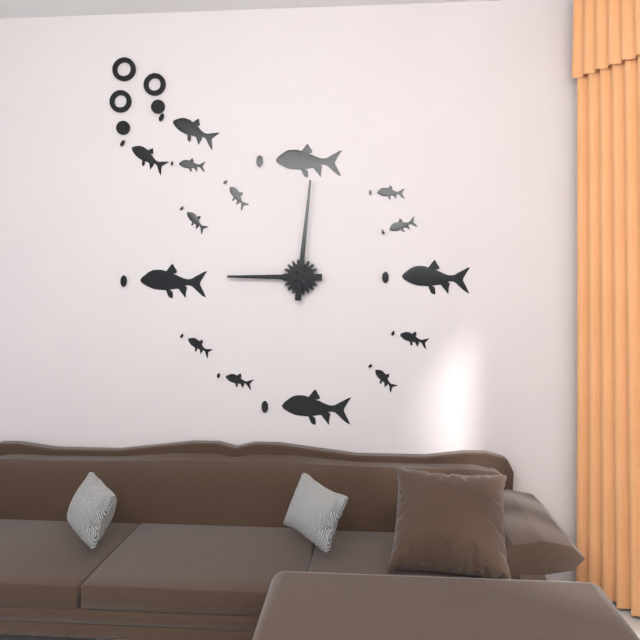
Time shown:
{"hour": 9, "minute": 1}
